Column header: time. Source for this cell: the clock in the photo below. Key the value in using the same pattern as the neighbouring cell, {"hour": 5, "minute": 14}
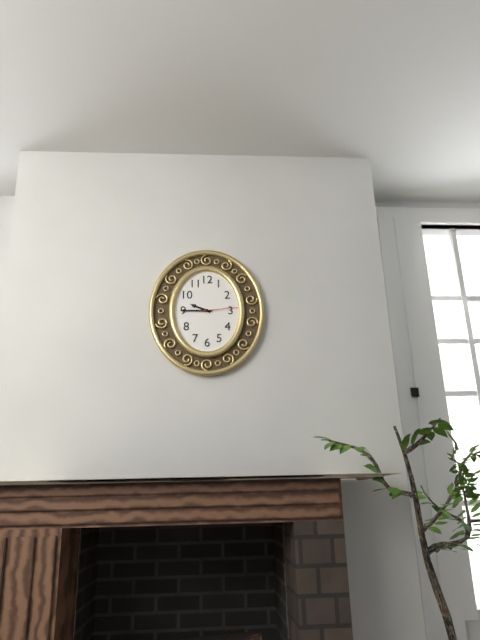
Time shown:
{"hour": 9, "minute": 45}
